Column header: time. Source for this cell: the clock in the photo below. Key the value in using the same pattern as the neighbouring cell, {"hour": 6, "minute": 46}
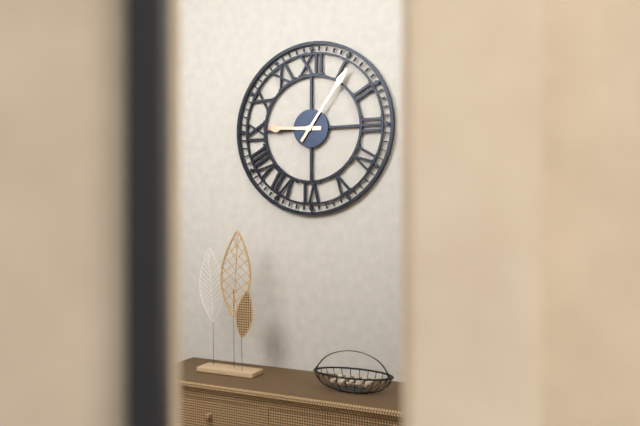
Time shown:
{"hour": 9, "minute": 6}
